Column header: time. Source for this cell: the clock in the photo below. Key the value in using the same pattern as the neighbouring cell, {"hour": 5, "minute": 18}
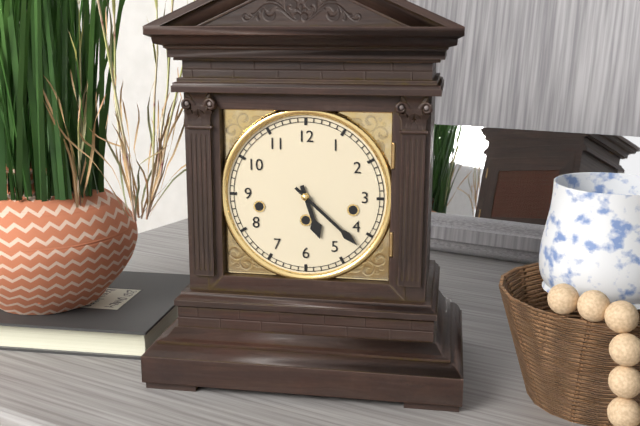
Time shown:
{"hour": 5, "minute": 22}
